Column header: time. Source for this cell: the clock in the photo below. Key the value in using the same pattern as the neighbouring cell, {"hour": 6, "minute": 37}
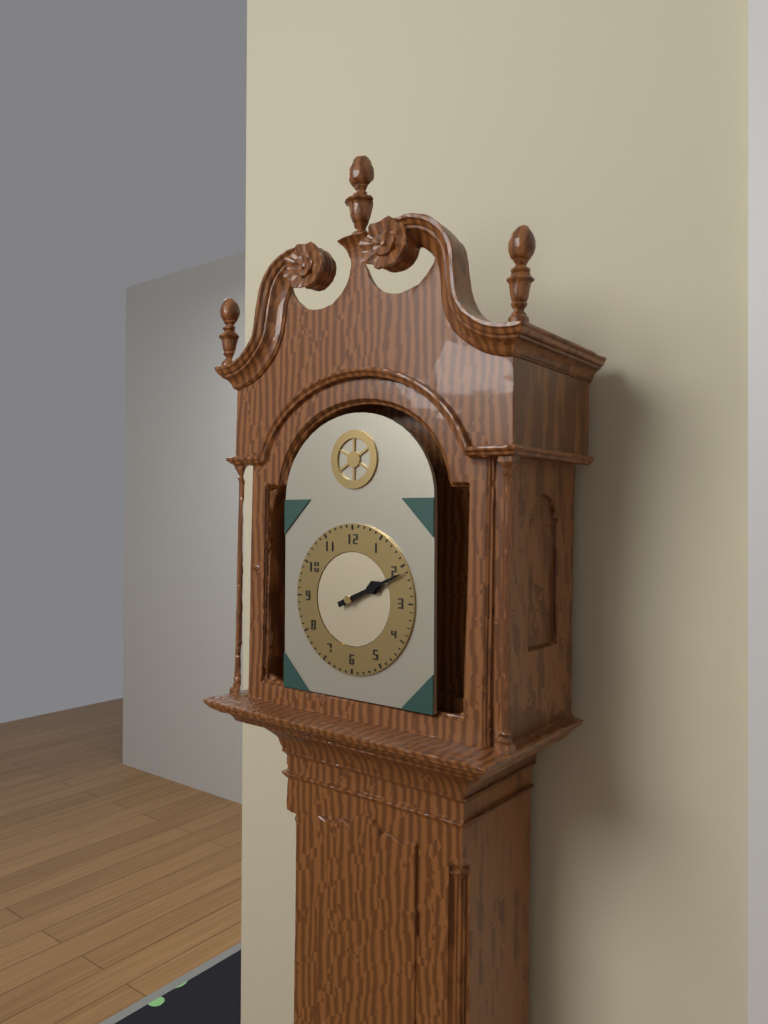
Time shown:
{"hour": 2, "minute": 11}
